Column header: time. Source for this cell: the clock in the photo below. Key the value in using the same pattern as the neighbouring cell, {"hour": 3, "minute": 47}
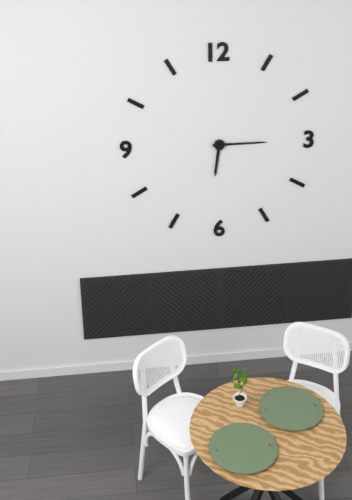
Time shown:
{"hour": 6, "minute": 15}
